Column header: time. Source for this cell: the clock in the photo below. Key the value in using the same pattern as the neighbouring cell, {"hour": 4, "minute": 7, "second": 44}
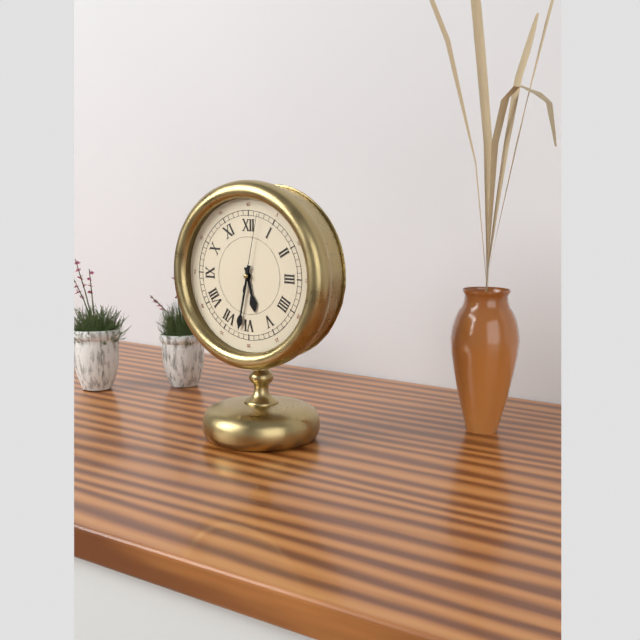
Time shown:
{"hour": 5, "minute": 32, "second": 2}
